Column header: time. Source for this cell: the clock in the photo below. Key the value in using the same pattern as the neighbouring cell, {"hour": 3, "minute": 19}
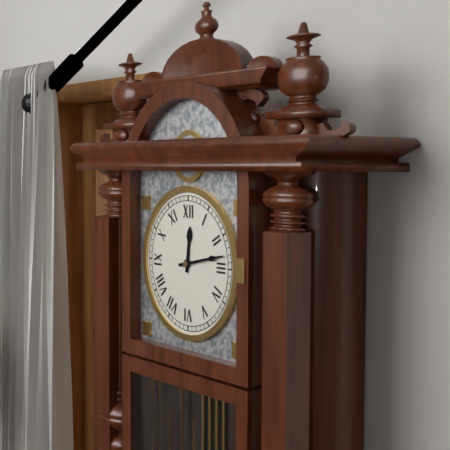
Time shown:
{"hour": 12, "minute": 13}
